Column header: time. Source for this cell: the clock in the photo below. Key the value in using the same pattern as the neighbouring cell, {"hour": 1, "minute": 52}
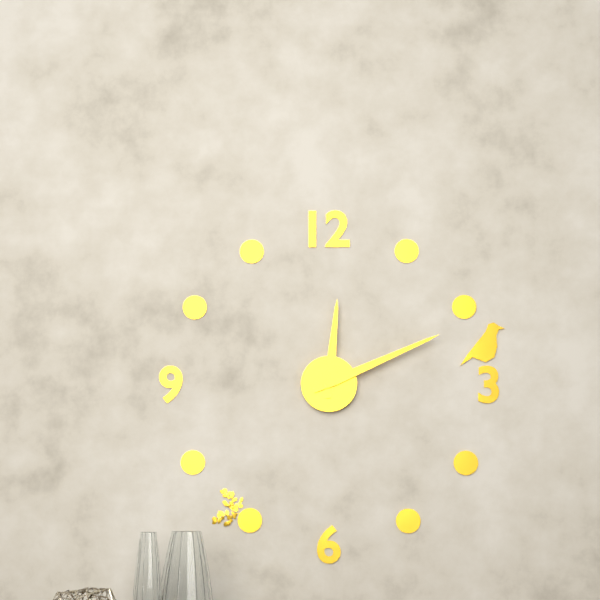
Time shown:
{"hour": 12, "minute": 11}
